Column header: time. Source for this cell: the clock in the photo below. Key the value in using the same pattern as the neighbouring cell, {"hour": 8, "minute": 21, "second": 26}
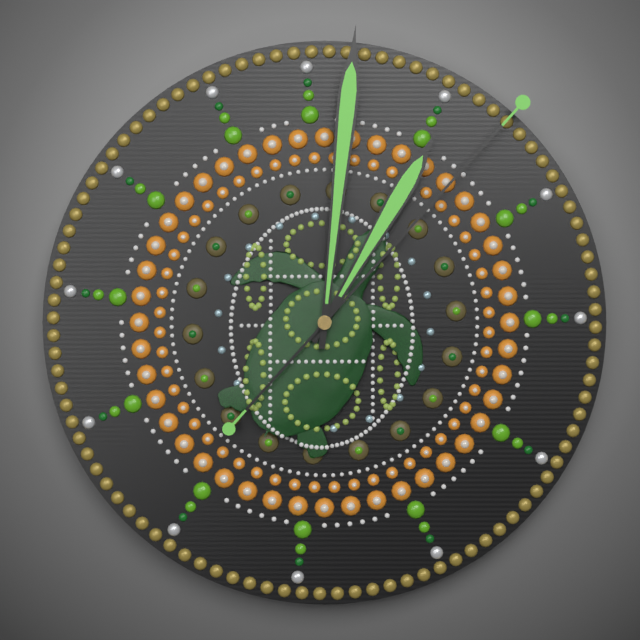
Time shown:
{"hour": 1, "minute": 1, "second": 7}
